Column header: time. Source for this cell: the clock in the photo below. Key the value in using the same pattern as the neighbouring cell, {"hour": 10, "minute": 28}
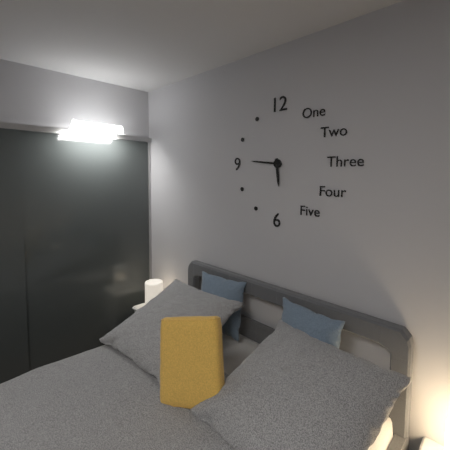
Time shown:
{"hour": 5, "minute": 46}
